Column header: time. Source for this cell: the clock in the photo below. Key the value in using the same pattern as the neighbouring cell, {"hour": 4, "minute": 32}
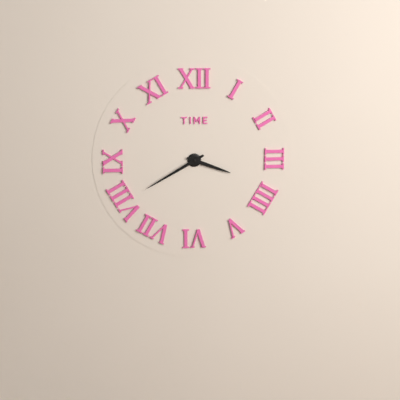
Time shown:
{"hour": 3, "minute": 40}
